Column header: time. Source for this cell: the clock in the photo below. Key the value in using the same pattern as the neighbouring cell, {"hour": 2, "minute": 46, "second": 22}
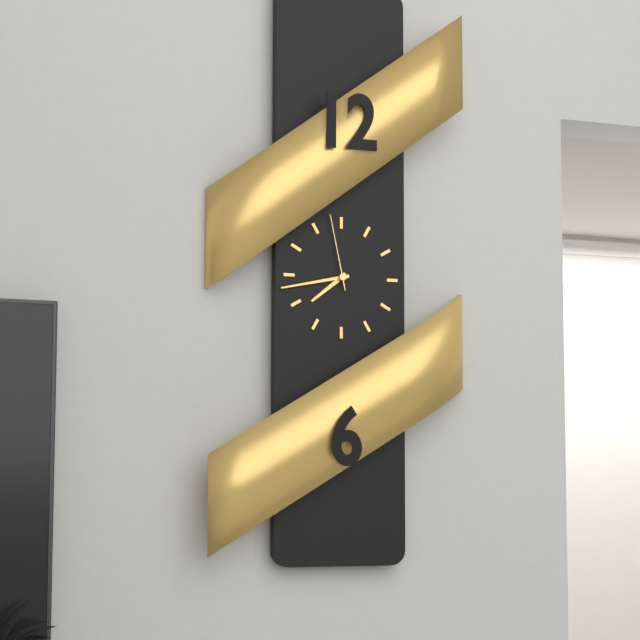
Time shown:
{"hour": 7, "minute": 43, "second": 58}
